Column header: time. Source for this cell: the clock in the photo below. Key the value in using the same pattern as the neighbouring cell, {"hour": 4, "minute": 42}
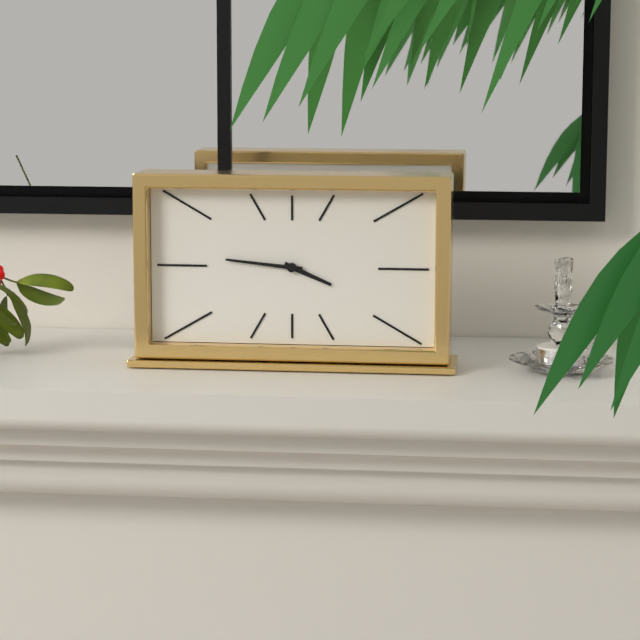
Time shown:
{"hour": 3, "minute": 46}
